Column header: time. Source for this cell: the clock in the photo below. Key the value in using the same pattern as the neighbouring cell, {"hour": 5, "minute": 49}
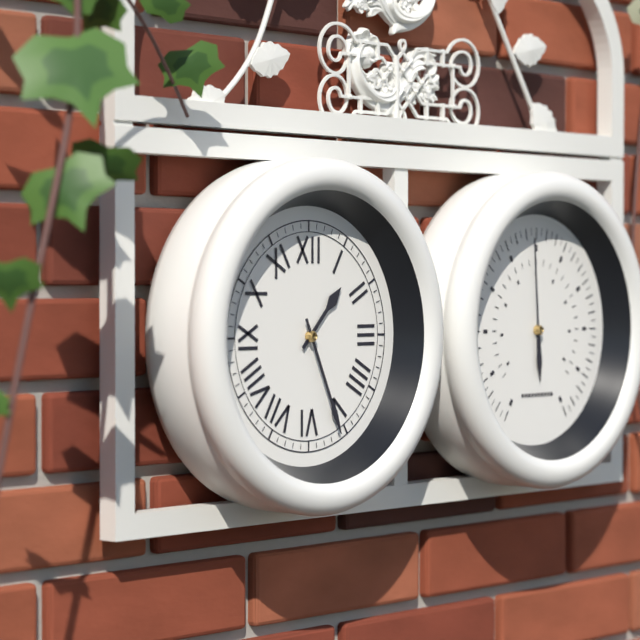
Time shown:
{"hour": 1, "minute": 26}
